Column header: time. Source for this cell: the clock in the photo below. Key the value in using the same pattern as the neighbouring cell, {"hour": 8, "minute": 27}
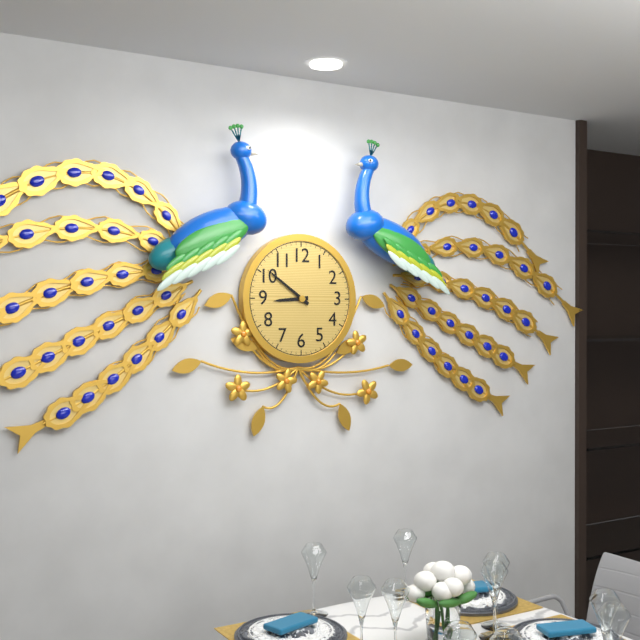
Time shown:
{"hour": 8, "minute": 51}
